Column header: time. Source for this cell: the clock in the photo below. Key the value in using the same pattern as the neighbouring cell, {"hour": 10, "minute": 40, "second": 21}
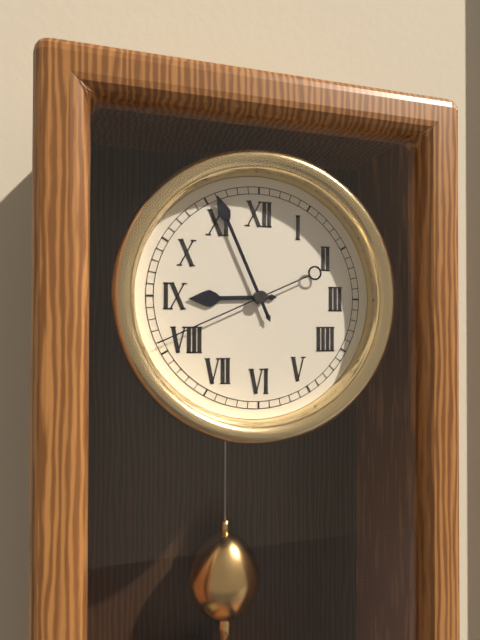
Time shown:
{"hour": 8, "minute": 56, "second": 41}
